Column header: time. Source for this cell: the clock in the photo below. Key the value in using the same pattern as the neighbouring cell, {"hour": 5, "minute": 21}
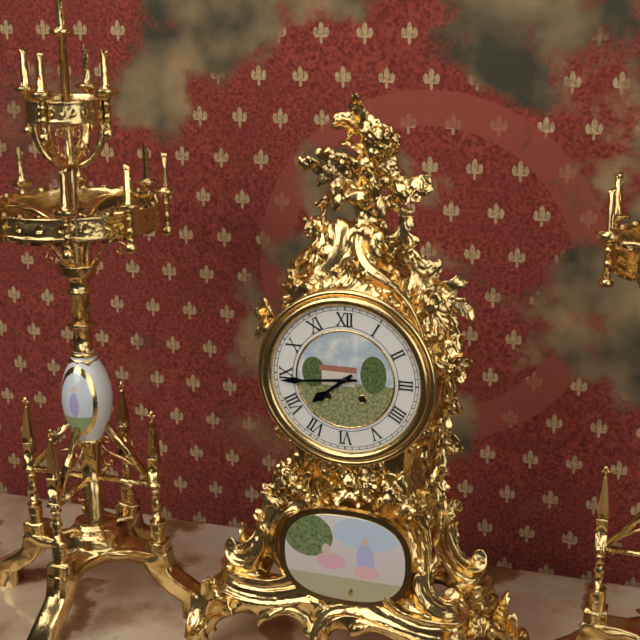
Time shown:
{"hour": 7, "minute": 44}
